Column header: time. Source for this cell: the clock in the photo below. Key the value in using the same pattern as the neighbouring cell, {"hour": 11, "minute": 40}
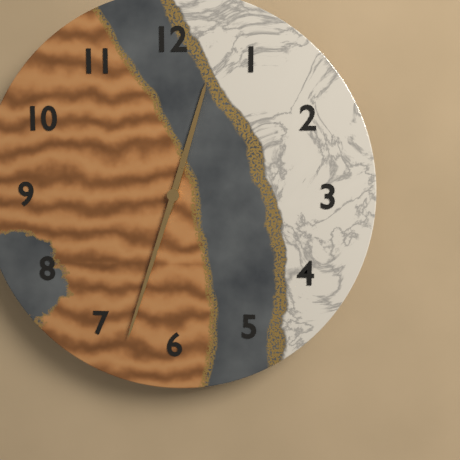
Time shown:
{"hour": 12, "minute": 33}
